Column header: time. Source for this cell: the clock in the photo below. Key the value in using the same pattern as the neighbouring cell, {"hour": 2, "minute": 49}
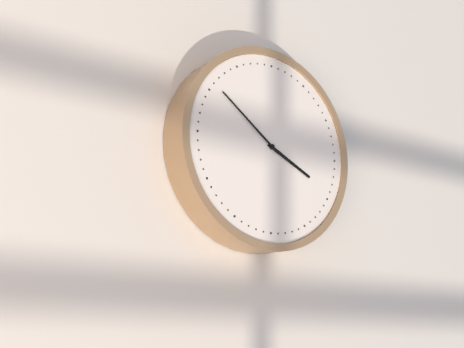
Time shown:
{"hour": 3, "minute": 51}
